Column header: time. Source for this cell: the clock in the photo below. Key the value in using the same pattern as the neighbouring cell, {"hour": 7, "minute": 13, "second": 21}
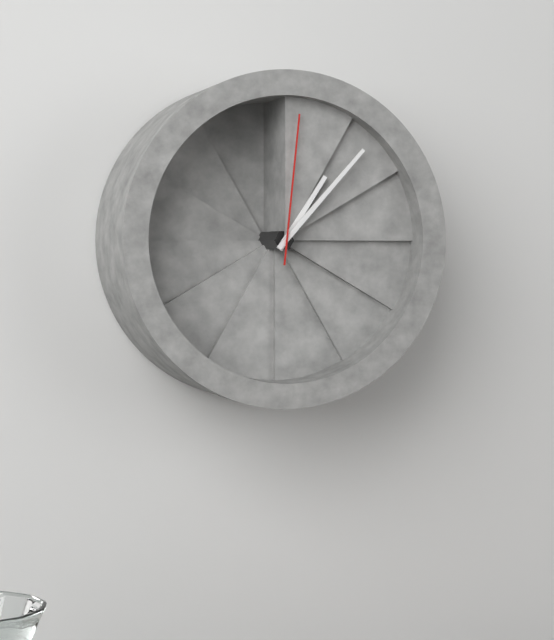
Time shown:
{"hour": 1, "minute": 7, "second": 1}
